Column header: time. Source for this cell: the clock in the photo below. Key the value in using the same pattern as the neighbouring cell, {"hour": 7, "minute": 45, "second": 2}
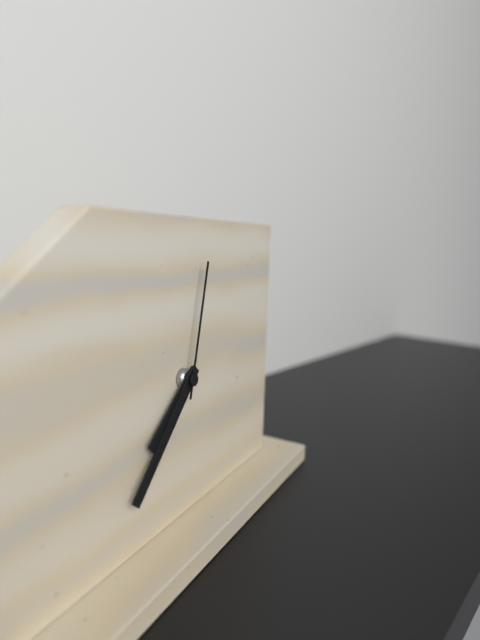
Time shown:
{"hour": 7, "minute": 37, "second": 2}
